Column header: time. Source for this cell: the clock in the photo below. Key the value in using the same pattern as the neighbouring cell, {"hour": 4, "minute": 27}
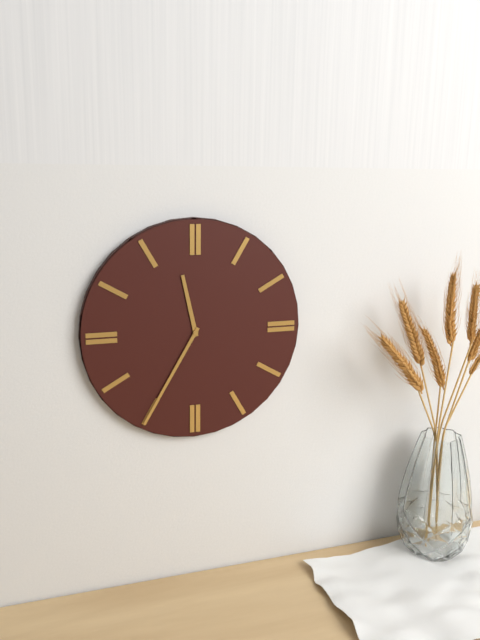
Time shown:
{"hour": 11, "minute": 35}
